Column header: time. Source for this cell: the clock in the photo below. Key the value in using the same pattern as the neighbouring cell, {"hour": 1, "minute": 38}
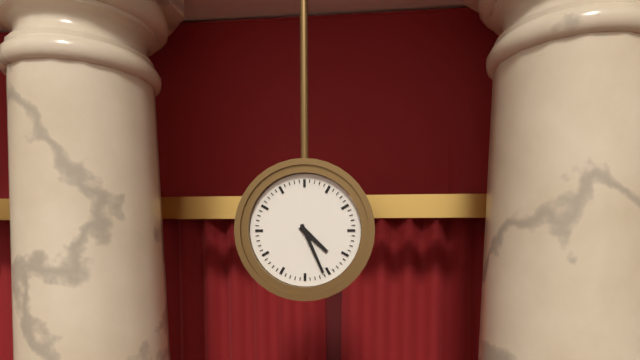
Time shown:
{"hour": 4, "minute": 26}
